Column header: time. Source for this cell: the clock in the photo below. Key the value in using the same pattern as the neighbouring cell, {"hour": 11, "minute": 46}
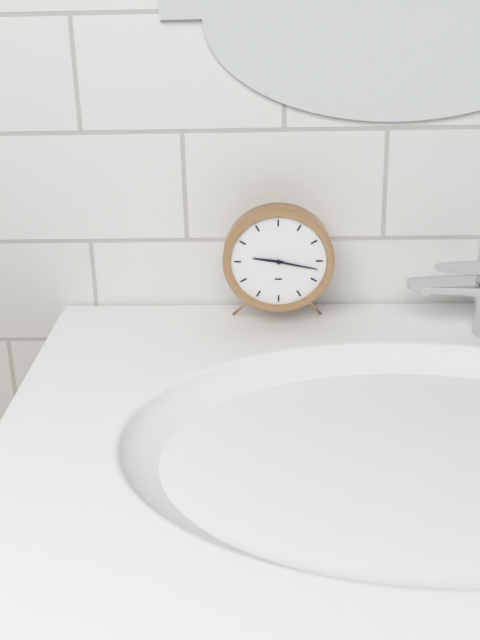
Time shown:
{"hour": 9, "minute": 17}
